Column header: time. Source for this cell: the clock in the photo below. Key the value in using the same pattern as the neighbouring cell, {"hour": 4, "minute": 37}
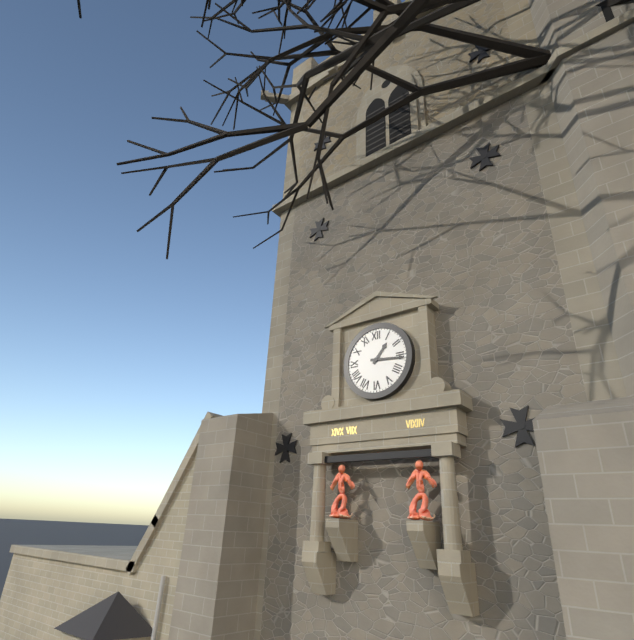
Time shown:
{"hour": 1, "minute": 16}
